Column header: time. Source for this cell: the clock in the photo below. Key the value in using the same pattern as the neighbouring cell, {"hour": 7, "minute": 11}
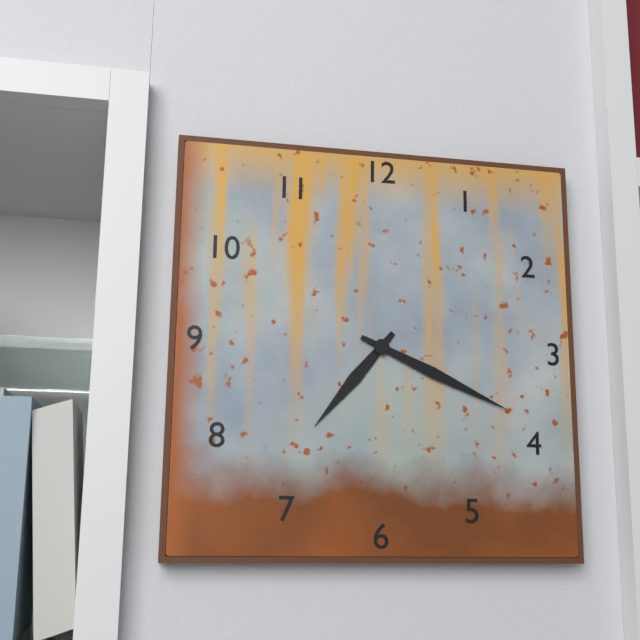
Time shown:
{"hour": 7, "minute": 19}
